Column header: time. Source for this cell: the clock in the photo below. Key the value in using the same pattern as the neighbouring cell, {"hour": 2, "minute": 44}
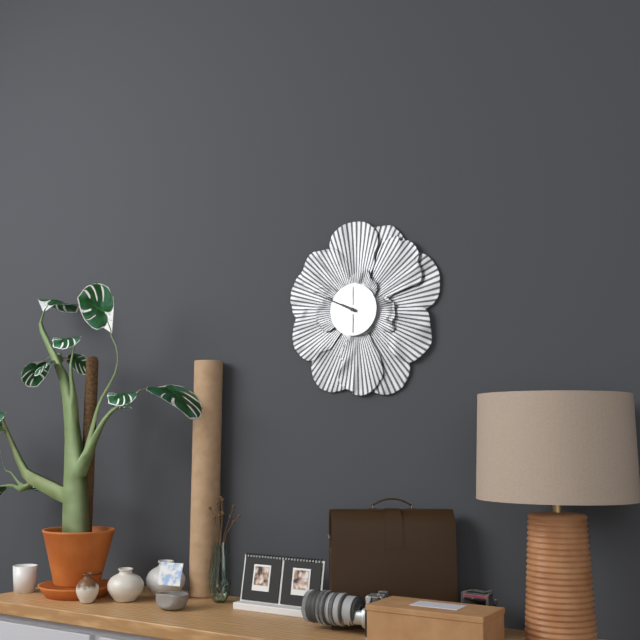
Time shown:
{"hour": 9, "minute": 49}
